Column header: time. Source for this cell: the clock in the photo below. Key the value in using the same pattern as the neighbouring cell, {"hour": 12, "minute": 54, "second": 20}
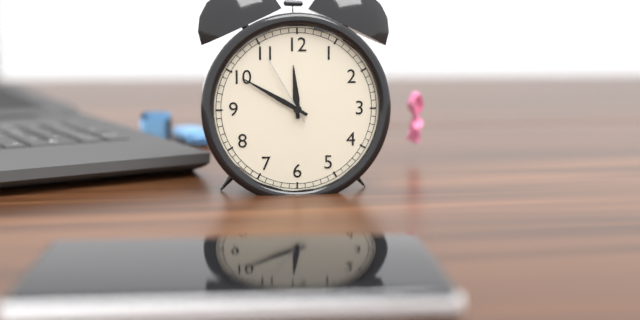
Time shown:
{"hour": 11, "minute": 50, "second": 55}
